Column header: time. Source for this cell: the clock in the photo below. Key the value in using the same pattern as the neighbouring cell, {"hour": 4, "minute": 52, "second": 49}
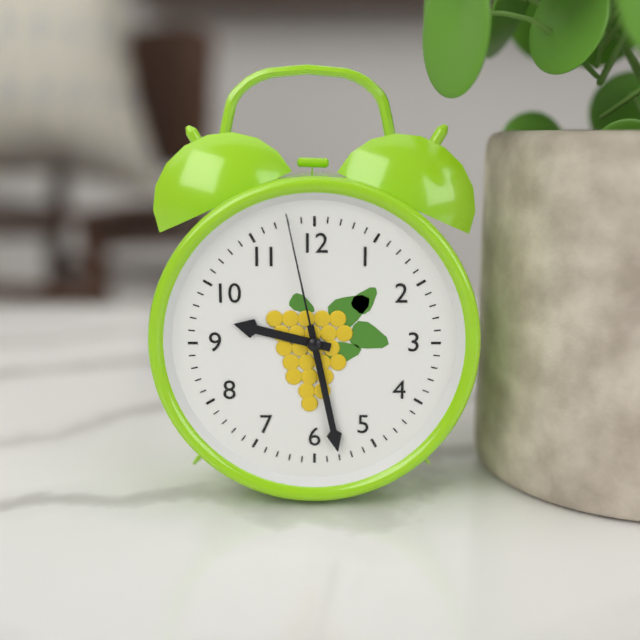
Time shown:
{"hour": 9, "minute": 28, "second": 58}
